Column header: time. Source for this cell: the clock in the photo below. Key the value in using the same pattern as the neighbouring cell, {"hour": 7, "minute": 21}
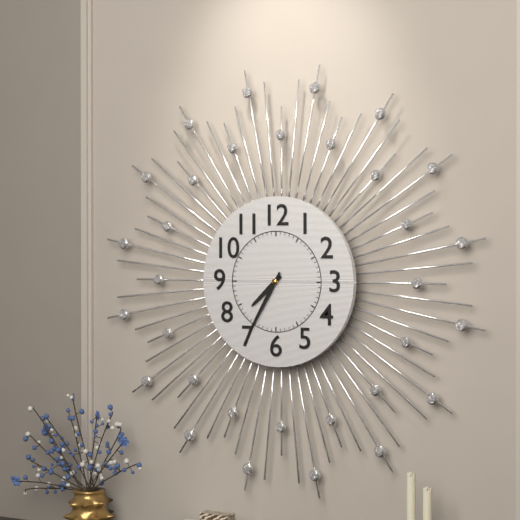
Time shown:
{"hour": 7, "minute": 35}
